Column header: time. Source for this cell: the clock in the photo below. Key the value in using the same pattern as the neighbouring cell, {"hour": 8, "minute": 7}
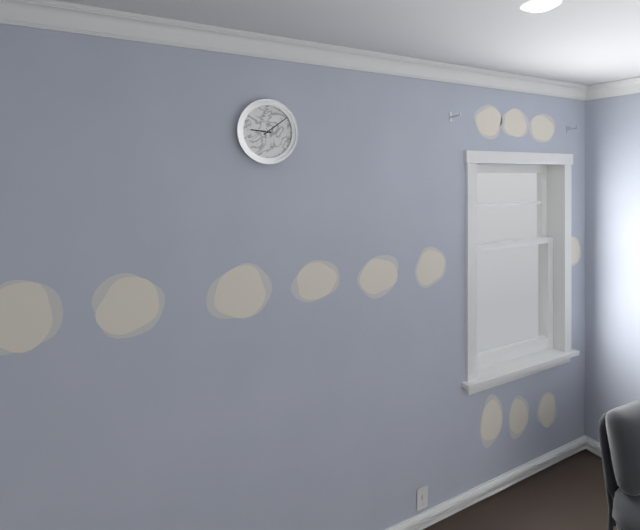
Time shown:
{"hour": 9, "minute": 9}
